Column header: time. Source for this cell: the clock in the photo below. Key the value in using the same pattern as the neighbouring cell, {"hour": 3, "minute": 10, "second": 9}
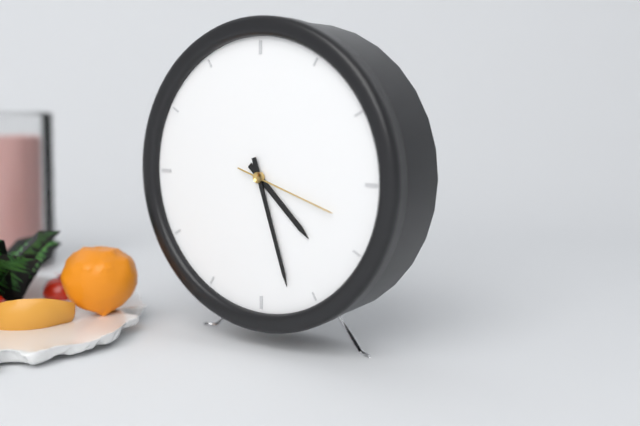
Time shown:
{"hour": 4, "minute": 27, "second": 18}
